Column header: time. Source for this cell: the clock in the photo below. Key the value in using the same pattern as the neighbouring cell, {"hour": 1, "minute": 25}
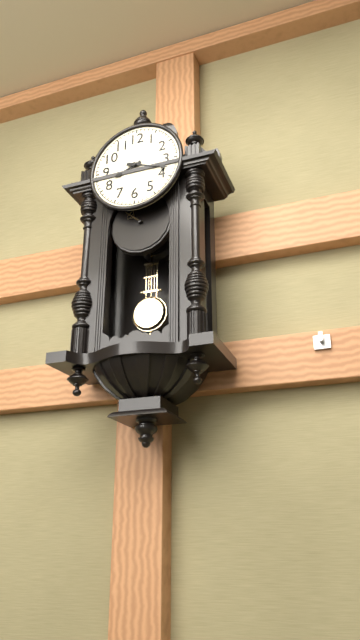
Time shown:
{"hour": 8, "minute": 18}
